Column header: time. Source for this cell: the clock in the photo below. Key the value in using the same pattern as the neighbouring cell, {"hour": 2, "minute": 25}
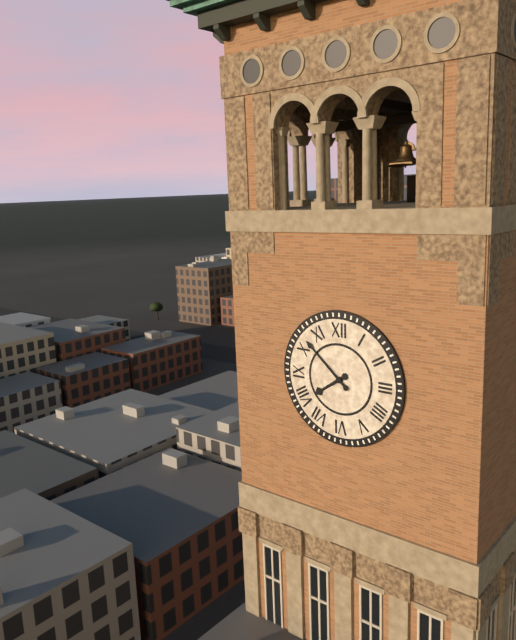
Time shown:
{"hour": 7, "minute": 52}
